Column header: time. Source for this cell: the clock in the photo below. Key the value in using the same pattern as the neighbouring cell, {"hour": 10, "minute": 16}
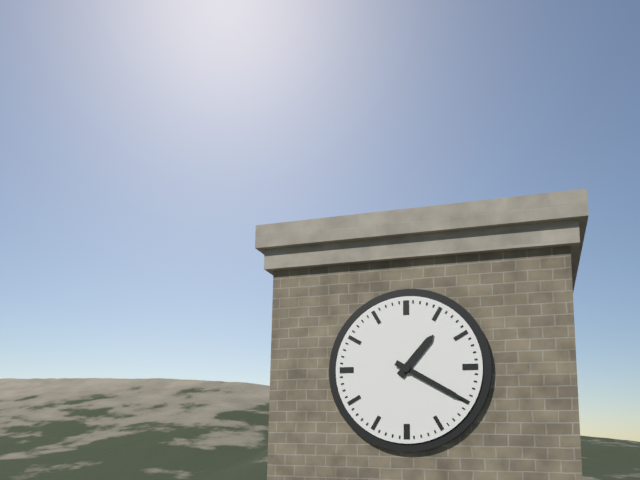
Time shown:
{"hour": 1, "minute": 20}
